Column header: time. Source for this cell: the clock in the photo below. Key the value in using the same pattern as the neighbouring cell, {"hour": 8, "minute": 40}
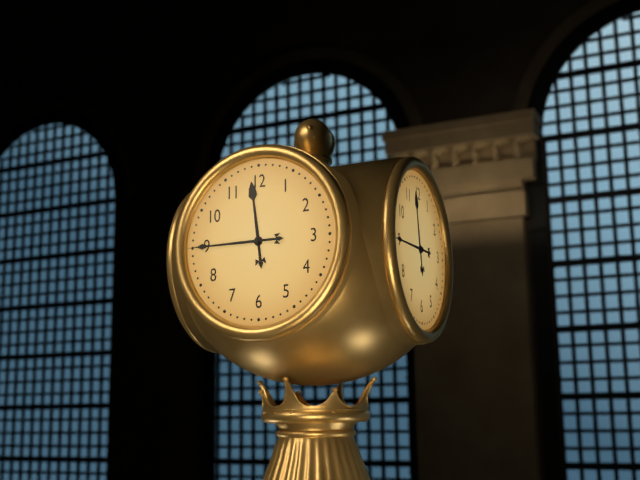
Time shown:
{"hour": 11, "minute": 45}
